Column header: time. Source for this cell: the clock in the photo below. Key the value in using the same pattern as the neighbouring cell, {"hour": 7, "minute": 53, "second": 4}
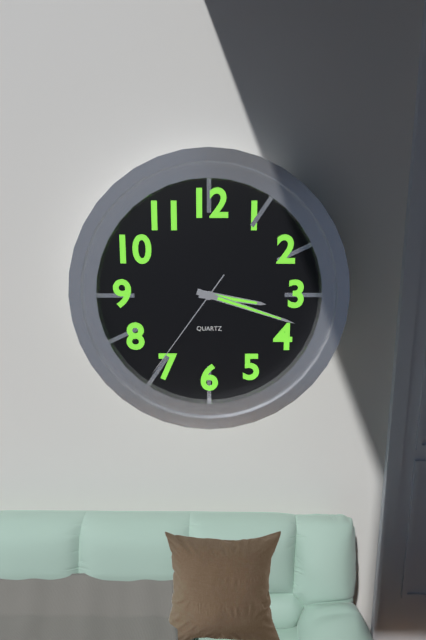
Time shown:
{"hour": 3, "minute": 18, "second": 36}
